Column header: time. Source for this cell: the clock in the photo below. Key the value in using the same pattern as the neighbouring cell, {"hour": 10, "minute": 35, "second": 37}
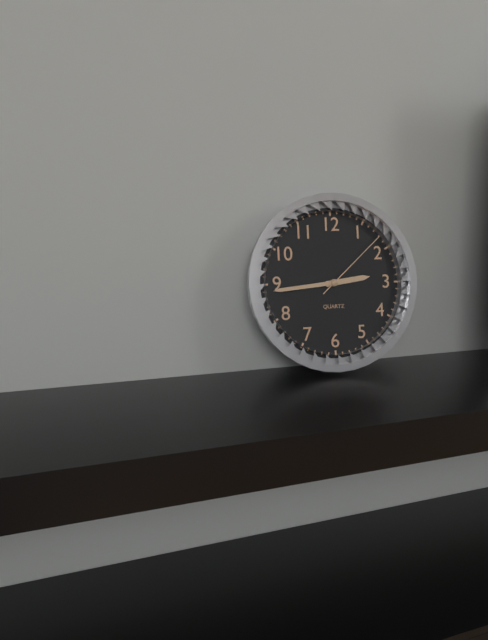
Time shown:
{"hour": 2, "minute": 44, "second": 8}
